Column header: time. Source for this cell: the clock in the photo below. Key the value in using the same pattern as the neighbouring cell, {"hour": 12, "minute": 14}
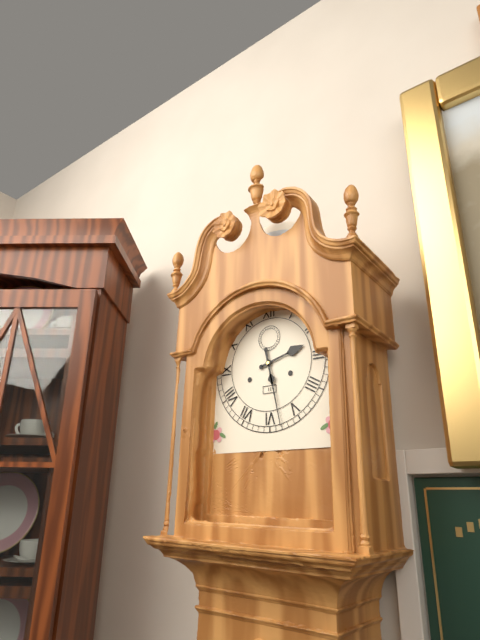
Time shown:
{"hour": 2, "minute": 28}
